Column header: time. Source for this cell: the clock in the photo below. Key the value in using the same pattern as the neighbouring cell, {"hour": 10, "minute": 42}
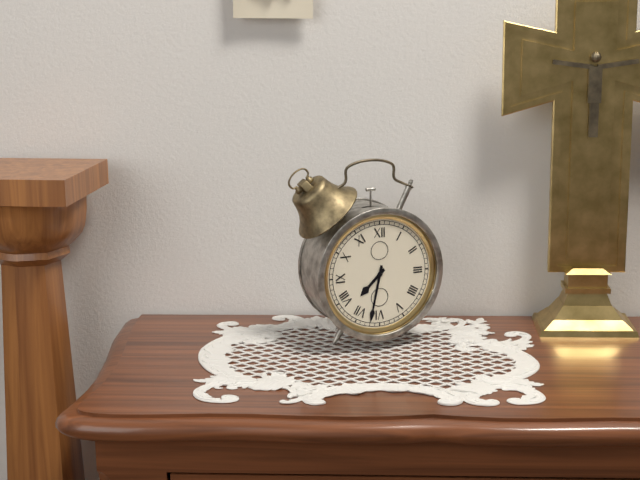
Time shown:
{"hour": 7, "minute": 32}
